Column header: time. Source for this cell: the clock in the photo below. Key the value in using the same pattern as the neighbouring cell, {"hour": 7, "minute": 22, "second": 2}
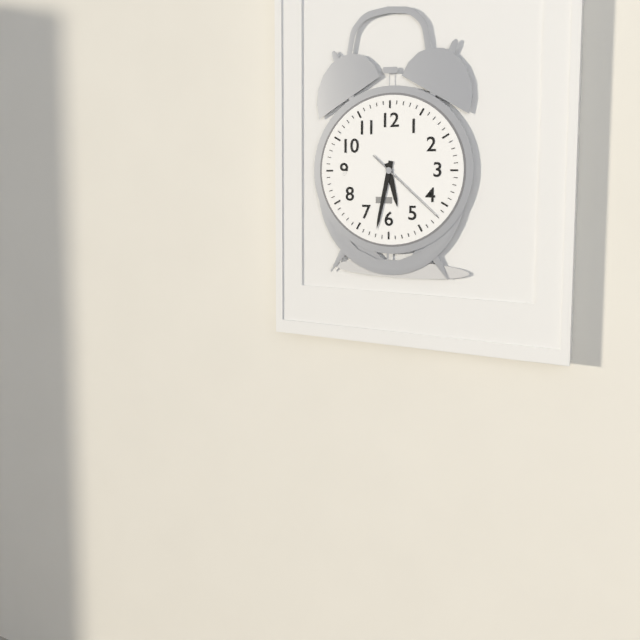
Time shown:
{"hour": 5, "minute": 32, "second": 22}
